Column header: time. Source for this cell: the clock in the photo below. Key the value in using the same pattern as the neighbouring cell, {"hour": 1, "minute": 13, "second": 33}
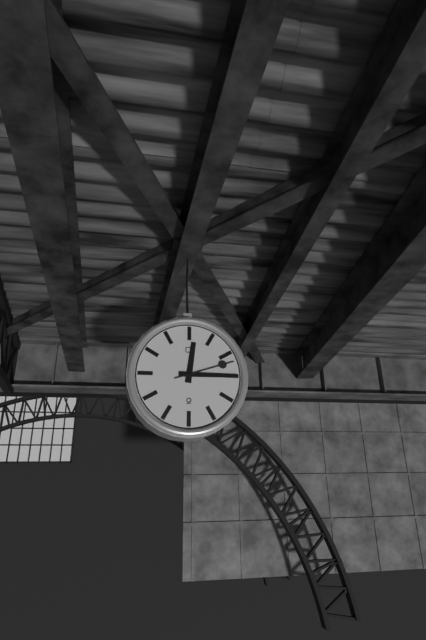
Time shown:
{"hour": 12, "minute": 15, "second": 12}
